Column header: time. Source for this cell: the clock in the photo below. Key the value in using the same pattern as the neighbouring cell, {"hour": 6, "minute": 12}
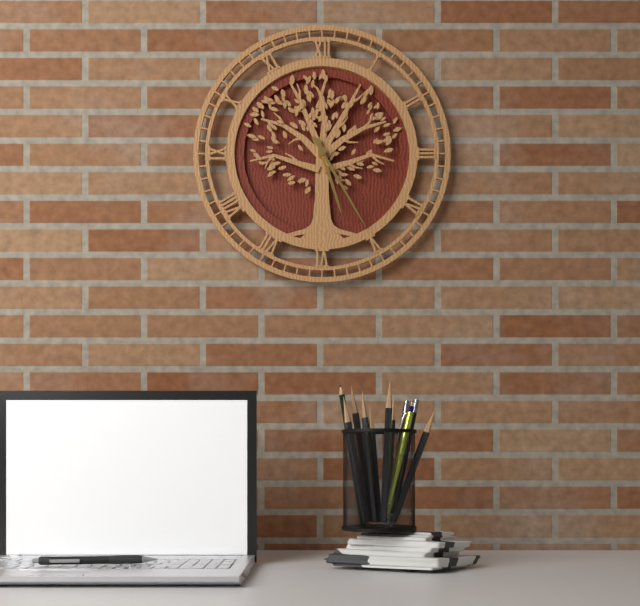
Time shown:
{"hour": 5, "minute": 25}
